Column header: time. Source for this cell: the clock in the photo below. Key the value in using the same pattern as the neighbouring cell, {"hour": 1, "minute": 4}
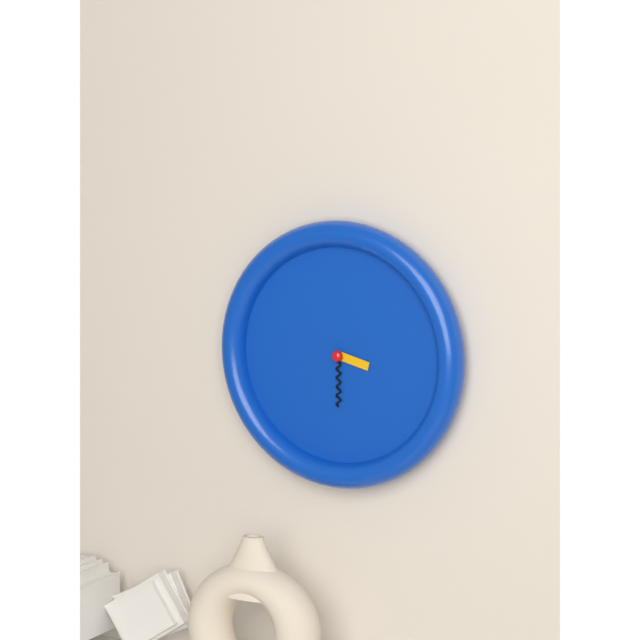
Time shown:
{"hour": 3, "minute": 30}
